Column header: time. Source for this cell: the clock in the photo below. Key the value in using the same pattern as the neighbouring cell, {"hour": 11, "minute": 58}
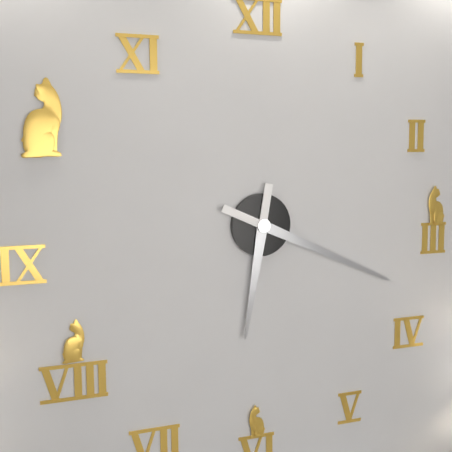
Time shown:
{"hour": 6, "minute": 19}
